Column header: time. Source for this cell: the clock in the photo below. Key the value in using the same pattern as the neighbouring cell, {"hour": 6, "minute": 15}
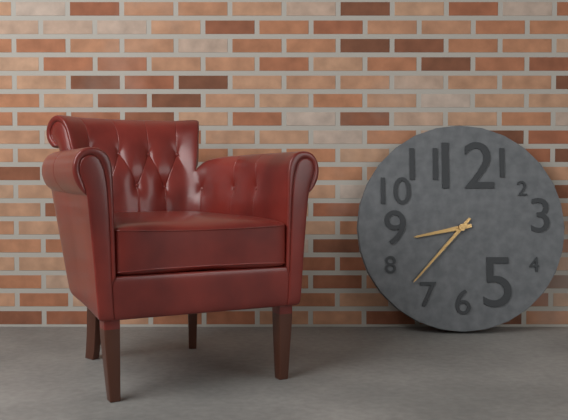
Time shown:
{"hour": 8, "minute": 37}
